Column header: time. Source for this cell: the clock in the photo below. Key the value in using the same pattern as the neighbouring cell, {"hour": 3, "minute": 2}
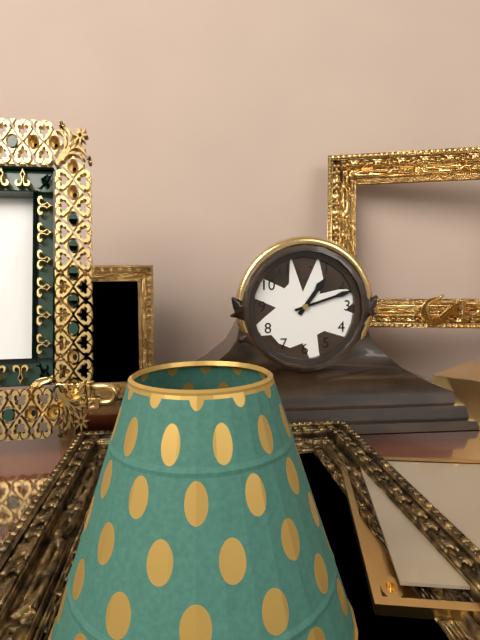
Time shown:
{"hour": 1, "minute": 12}
